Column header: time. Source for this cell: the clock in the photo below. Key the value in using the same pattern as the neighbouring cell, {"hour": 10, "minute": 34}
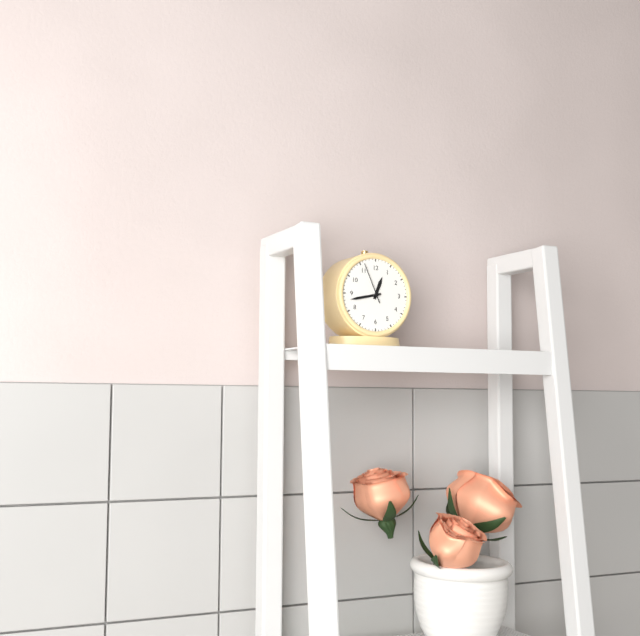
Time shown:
{"hour": 12, "minute": 43}
